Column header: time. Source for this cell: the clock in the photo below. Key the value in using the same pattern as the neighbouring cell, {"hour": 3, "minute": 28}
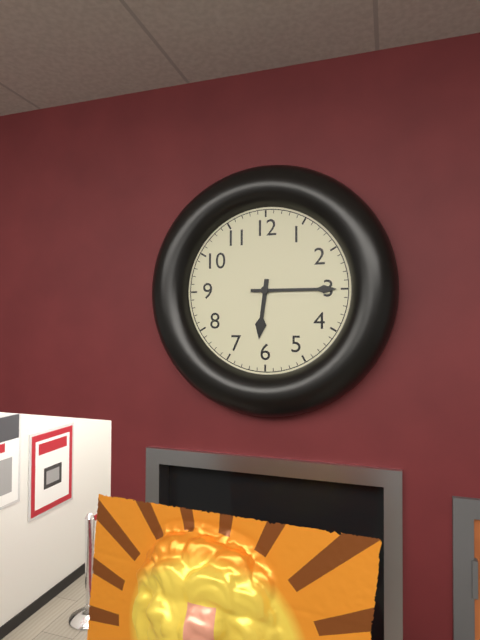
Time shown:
{"hour": 6, "minute": 15}
